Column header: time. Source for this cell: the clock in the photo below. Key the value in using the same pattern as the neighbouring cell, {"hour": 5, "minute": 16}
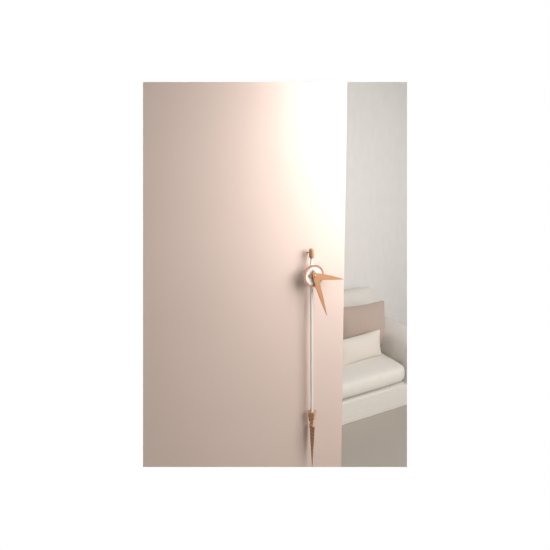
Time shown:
{"hour": 3, "minute": 27}
